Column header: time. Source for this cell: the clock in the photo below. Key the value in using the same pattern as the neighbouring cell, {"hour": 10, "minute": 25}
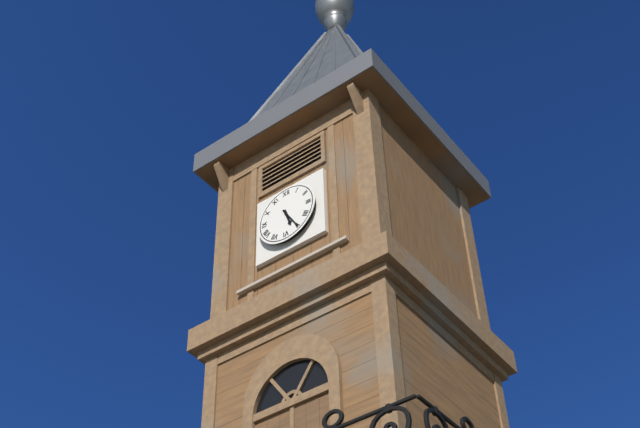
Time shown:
{"hour": 5, "minute": 25}
